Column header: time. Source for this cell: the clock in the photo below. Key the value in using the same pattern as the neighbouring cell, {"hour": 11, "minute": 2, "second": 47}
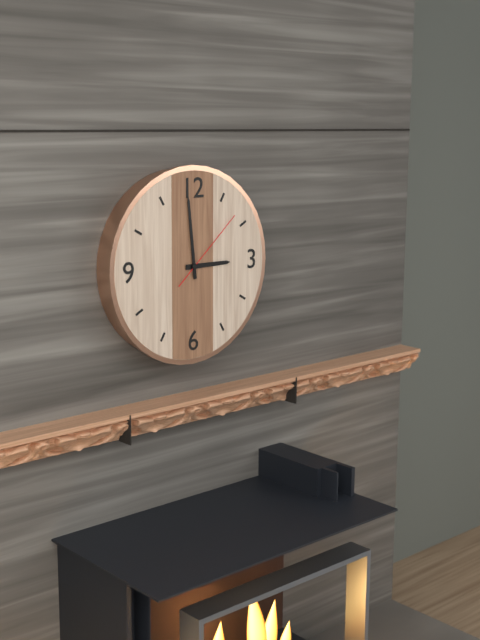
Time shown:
{"hour": 2, "minute": 59, "second": 8}
